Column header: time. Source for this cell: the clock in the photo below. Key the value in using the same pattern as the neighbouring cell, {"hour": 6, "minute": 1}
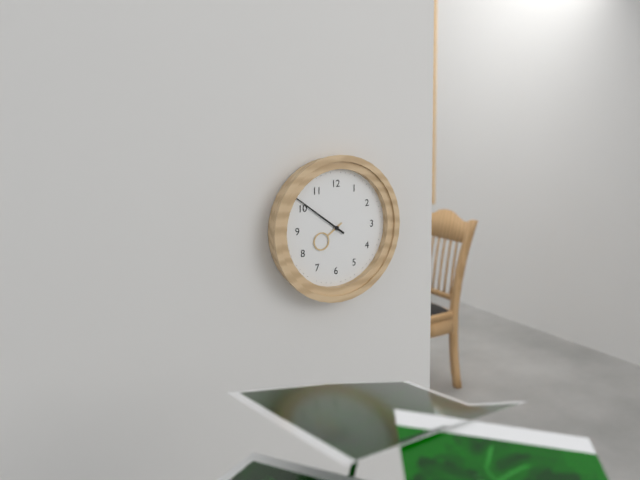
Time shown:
{"hour": 7, "minute": 51}
